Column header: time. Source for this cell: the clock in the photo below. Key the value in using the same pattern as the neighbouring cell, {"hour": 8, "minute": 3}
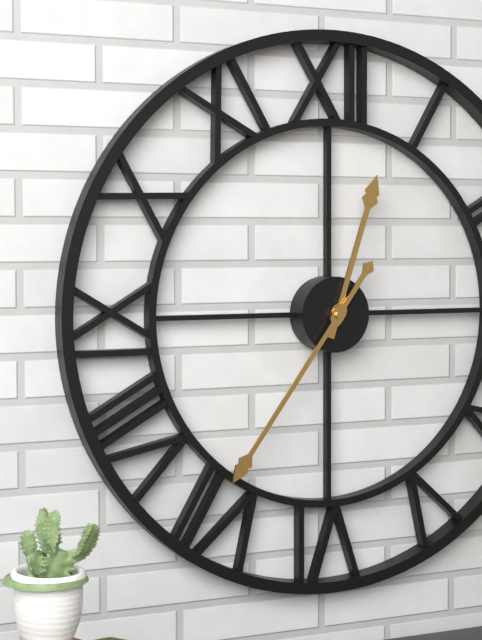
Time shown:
{"hour": 12, "minute": 36}
